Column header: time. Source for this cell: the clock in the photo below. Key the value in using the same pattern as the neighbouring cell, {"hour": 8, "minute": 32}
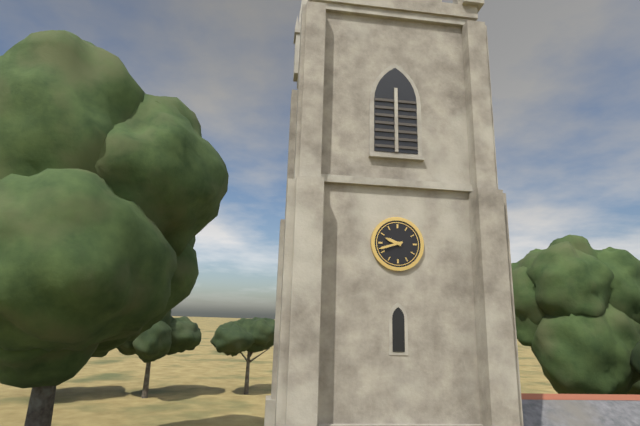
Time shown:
{"hour": 9, "minute": 42}
